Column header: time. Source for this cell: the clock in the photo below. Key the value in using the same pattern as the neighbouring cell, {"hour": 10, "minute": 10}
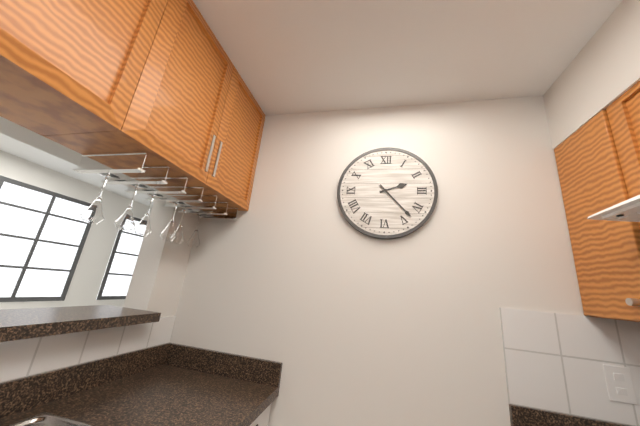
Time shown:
{"hour": 2, "minute": 23}
